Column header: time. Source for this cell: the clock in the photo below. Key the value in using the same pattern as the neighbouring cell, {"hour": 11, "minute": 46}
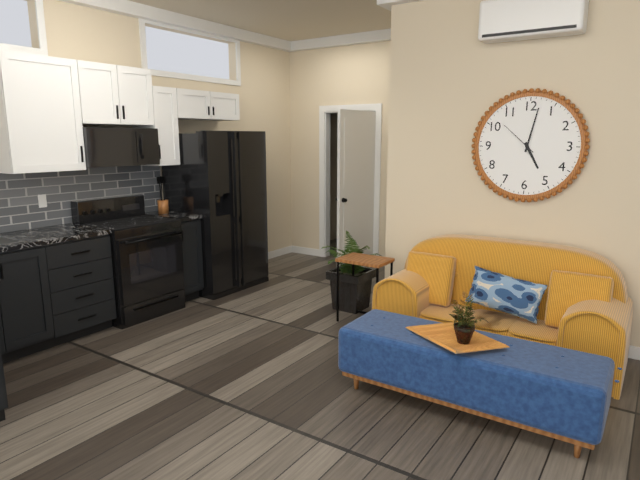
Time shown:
{"hour": 5, "minute": 2}
